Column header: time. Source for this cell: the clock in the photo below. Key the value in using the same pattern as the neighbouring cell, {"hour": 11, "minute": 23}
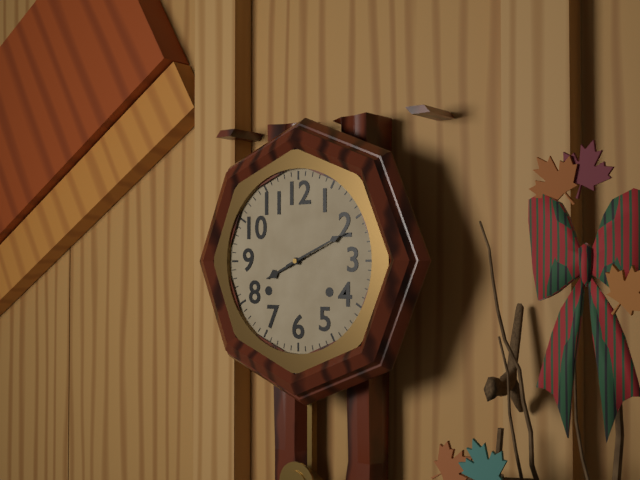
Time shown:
{"hour": 8, "minute": 11}
